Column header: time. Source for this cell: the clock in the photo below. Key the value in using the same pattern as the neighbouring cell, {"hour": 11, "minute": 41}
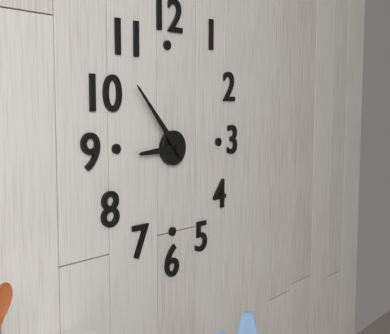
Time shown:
{"hour": 8, "minute": 53}
